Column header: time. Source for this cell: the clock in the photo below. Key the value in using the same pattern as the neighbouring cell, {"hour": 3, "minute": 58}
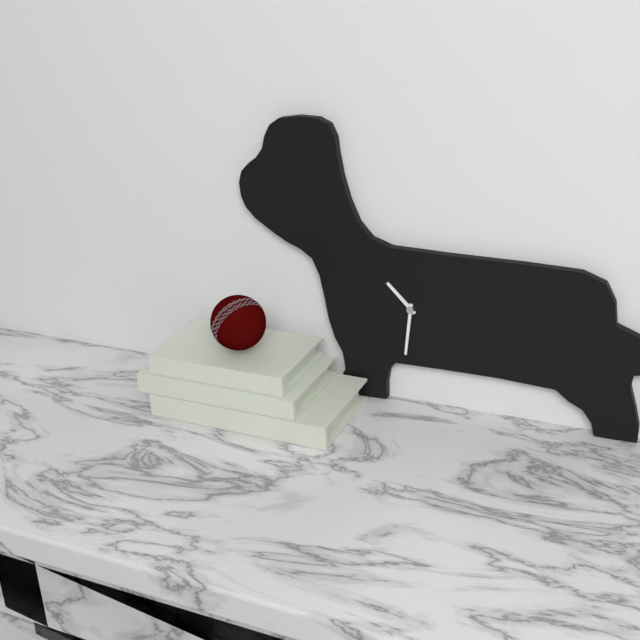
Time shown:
{"hour": 10, "minute": 31}
